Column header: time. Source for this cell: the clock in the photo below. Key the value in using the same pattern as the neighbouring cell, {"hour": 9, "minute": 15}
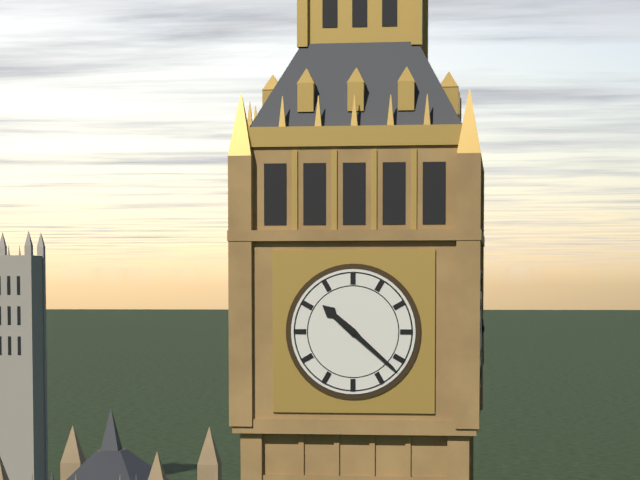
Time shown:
{"hour": 10, "minute": 22}
